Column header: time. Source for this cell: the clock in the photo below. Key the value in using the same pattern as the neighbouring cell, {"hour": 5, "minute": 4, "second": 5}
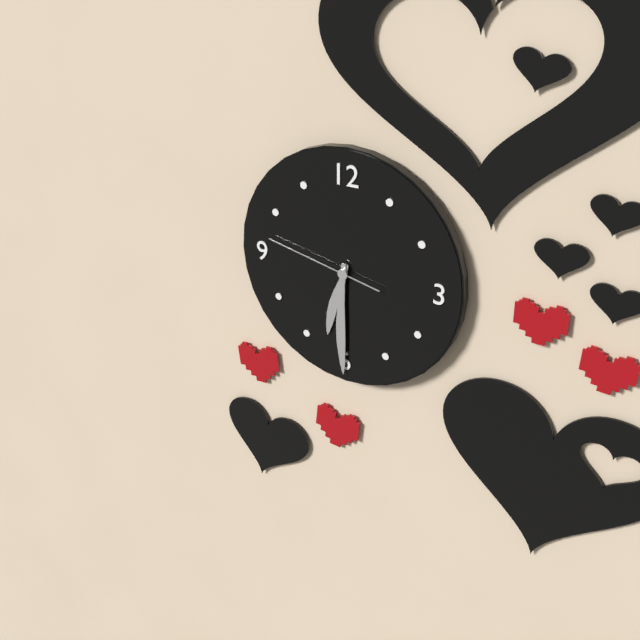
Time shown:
{"hour": 6, "minute": 30, "second": 47}
